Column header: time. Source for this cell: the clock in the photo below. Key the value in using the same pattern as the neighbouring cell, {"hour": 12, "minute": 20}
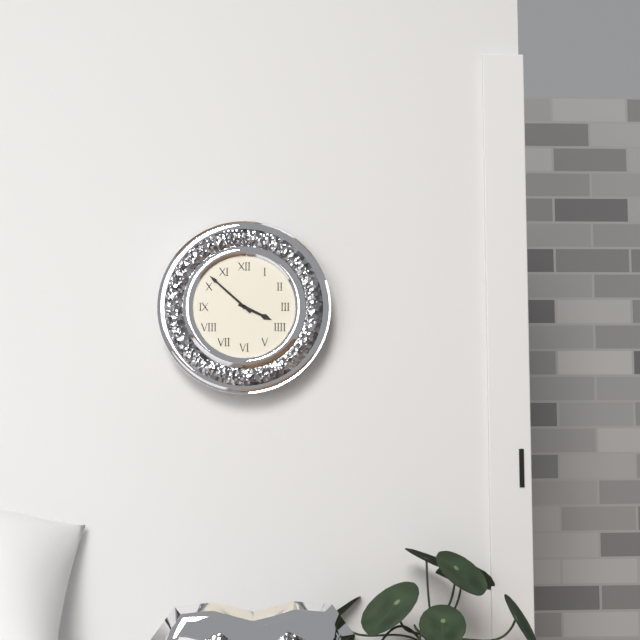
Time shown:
{"hour": 3, "minute": 52}
